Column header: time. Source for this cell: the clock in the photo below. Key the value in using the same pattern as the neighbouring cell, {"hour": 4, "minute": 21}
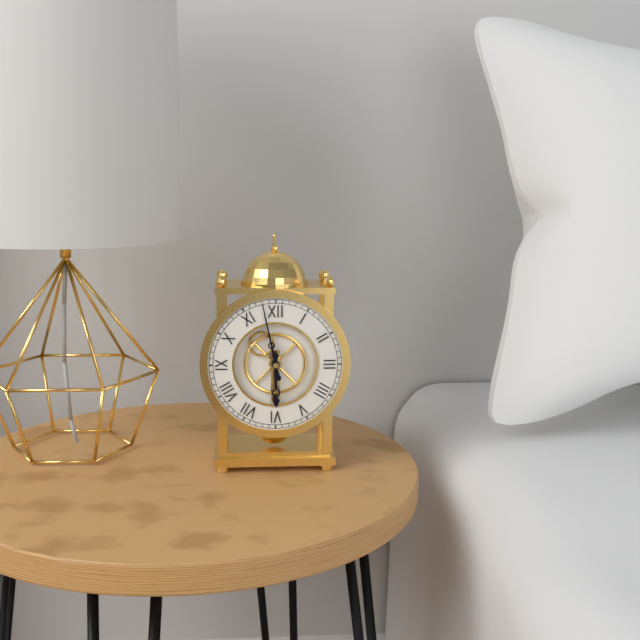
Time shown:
{"hour": 5, "minute": 58}
